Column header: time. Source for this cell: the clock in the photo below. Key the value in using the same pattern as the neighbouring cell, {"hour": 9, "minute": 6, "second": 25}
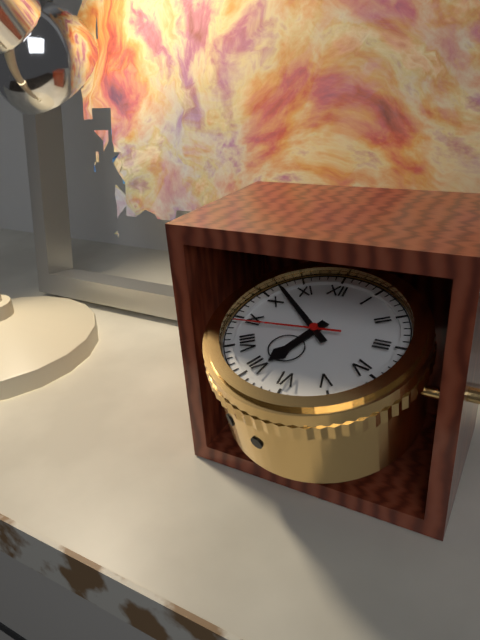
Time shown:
{"hour": 6, "minute": 52, "second": 44}
